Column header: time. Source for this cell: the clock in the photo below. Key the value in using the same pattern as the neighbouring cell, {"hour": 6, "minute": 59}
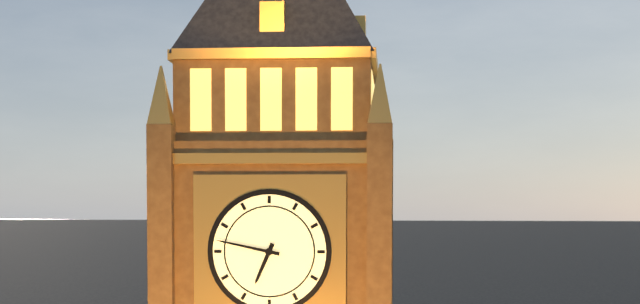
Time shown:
{"hour": 6, "minute": 47}
